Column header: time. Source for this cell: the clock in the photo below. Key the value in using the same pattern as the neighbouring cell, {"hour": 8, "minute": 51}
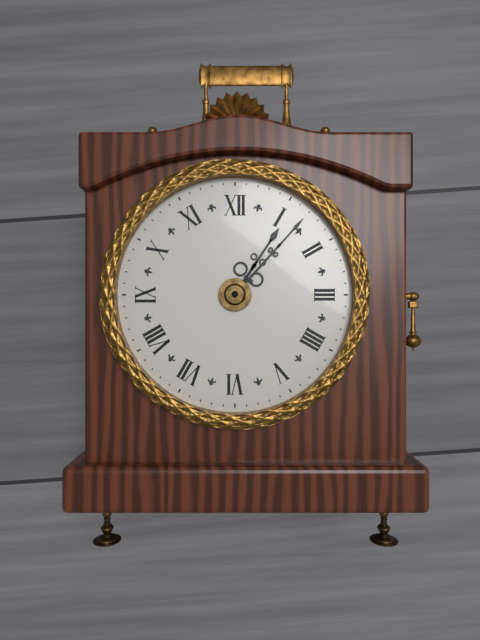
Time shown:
{"hour": 1, "minute": 7}
